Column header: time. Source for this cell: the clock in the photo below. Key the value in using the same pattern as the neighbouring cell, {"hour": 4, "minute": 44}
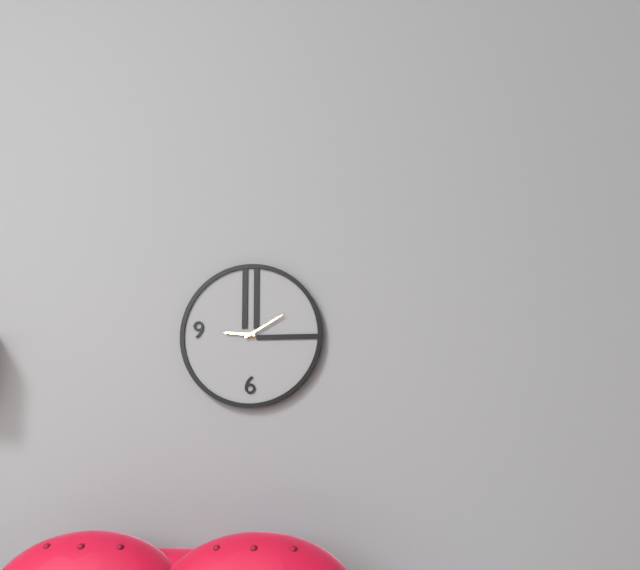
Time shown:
{"hour": 9, "minute": 10}
